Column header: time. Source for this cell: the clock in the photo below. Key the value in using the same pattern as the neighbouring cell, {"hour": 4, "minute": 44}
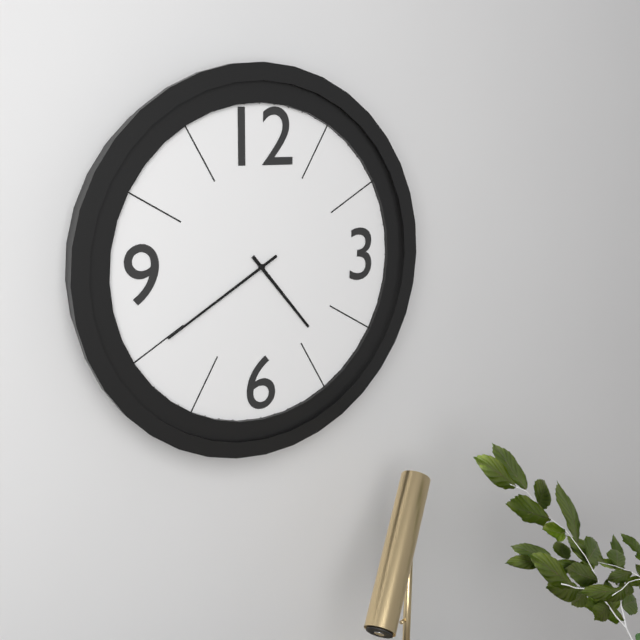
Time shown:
{"hour": 4, "minute": 40}
